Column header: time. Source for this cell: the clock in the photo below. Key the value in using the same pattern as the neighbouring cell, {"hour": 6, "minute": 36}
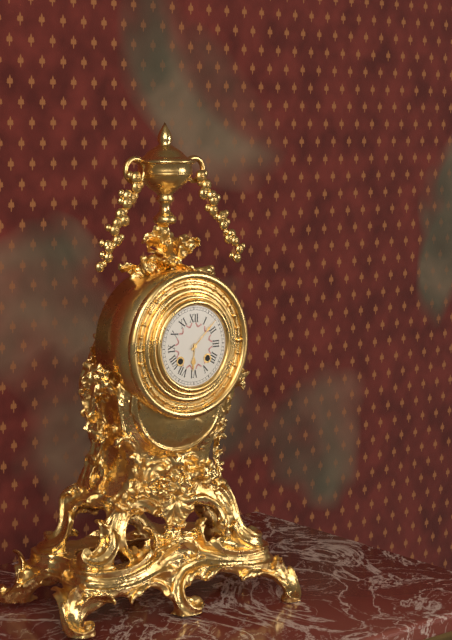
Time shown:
{"hour": 6, "minute": 8}
